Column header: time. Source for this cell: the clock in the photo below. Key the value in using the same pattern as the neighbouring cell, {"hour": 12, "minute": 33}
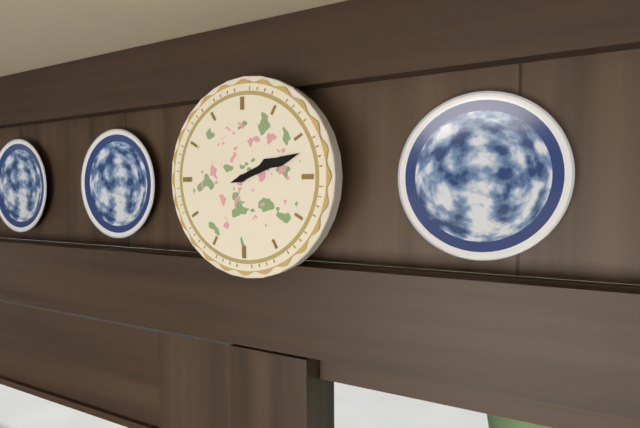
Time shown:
{"hour": 2, "minute": 12}
